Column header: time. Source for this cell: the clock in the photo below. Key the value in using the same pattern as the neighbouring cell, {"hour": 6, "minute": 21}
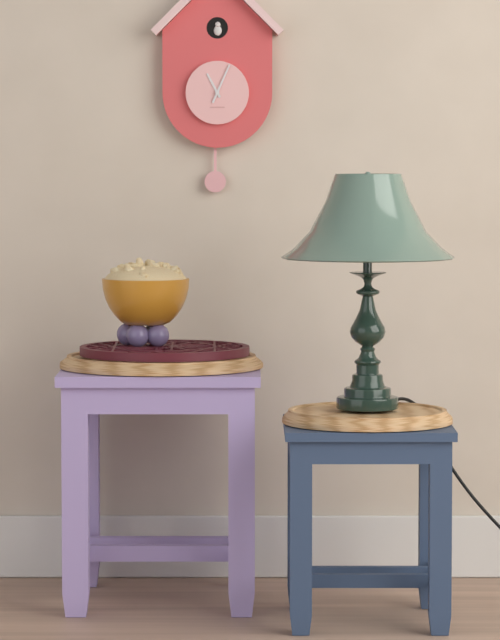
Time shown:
{"hour": 11, "minute": 4}
